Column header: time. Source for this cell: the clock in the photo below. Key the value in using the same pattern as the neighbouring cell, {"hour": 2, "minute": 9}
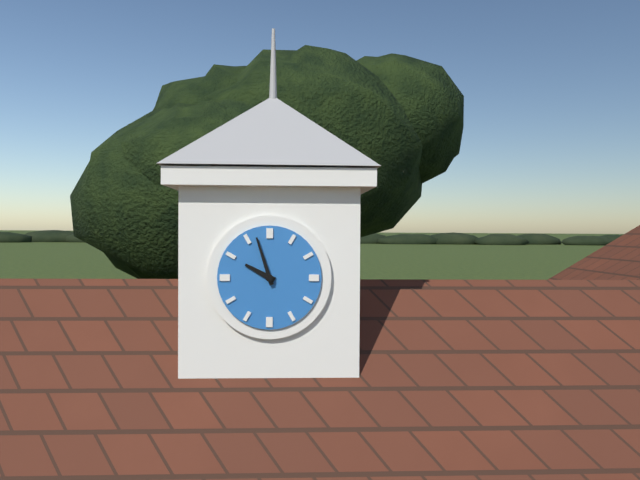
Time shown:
{"hour": 9, "minute": 57}
